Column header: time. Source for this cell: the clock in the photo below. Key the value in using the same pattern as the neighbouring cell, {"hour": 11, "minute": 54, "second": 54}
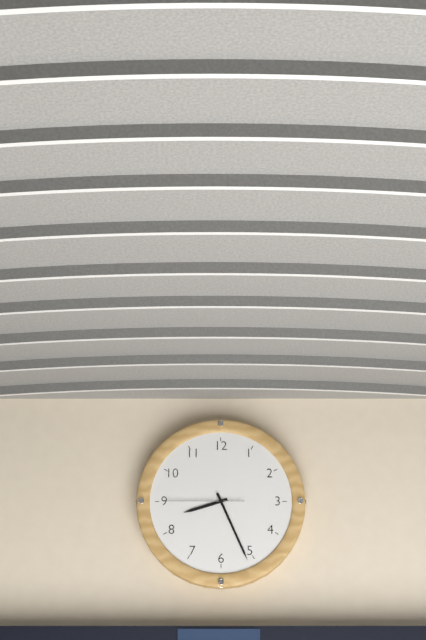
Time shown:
{"hour": 8, "minute": 26, "second": 45}
